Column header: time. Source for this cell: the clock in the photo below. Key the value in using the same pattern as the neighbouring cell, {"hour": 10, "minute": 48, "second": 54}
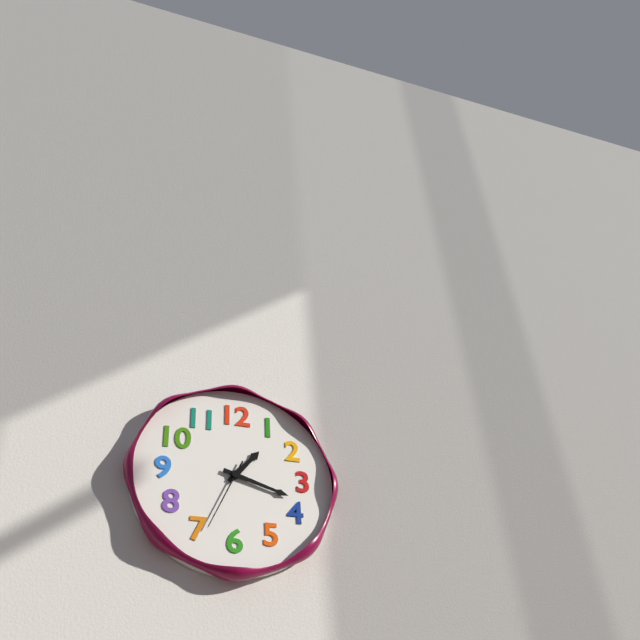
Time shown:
{"hour": 1, "minute": 18, "second": 34}
